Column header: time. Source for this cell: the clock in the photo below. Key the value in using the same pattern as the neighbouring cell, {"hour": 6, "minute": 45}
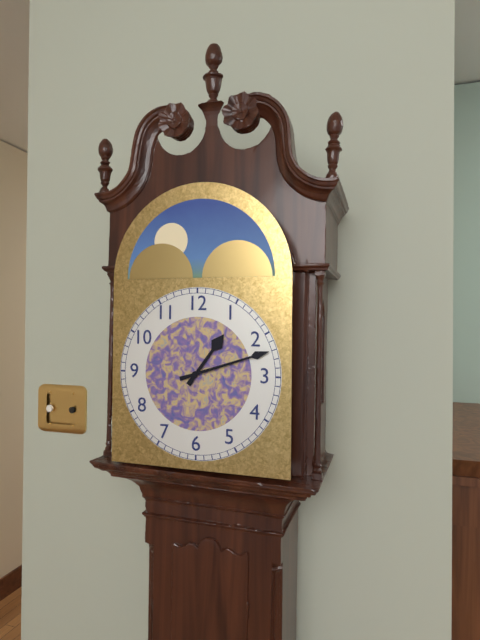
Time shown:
{"hour": 1, "minute": 12}
